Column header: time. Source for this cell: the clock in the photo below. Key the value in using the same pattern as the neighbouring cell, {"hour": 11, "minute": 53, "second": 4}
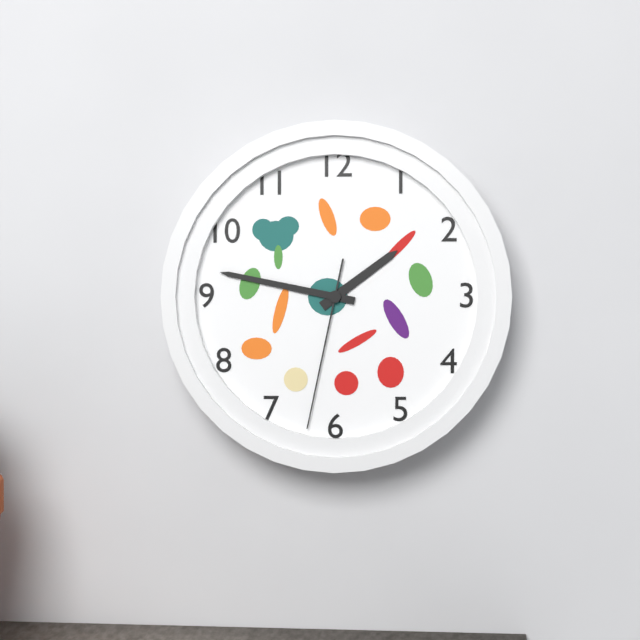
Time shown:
{"hour": 1, "minute": 47, "second": 32}
